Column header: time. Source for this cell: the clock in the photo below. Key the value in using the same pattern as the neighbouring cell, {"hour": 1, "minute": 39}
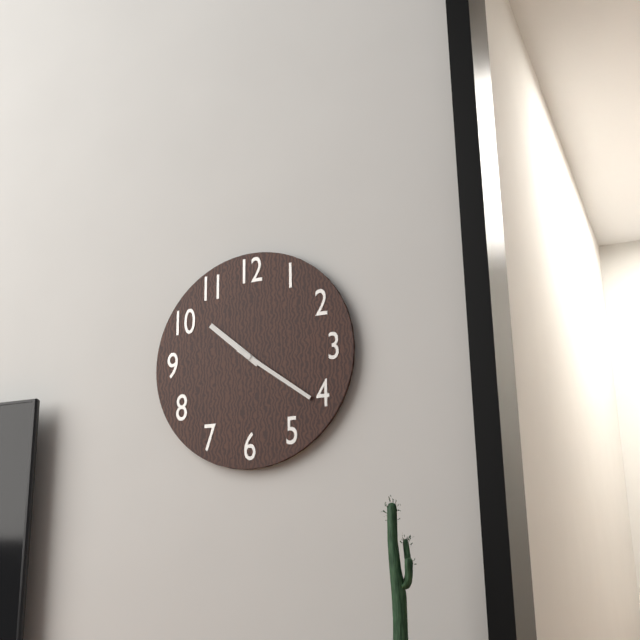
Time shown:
{"hour": 10, "minute": 21}
